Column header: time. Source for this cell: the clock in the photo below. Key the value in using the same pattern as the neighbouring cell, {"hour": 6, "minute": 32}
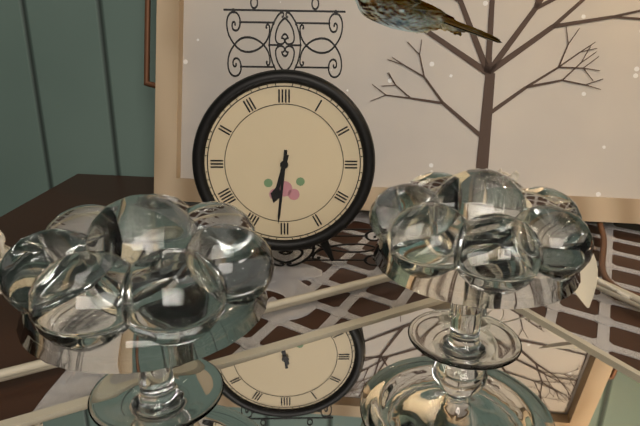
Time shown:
{"hour": 6, "minute": 31}
